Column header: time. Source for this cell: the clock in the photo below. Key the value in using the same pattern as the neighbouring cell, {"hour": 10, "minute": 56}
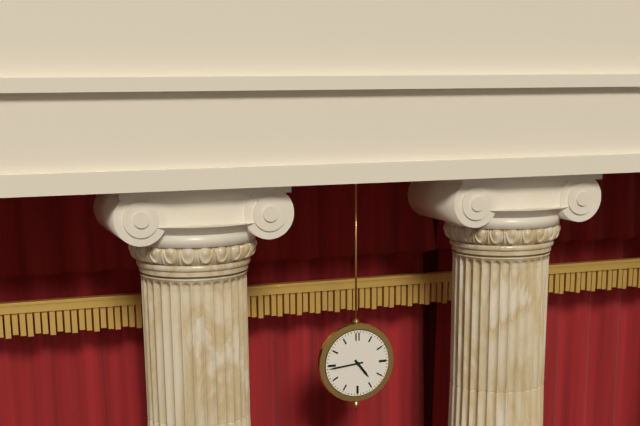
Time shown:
{"hour": 4, "minute": 44}
